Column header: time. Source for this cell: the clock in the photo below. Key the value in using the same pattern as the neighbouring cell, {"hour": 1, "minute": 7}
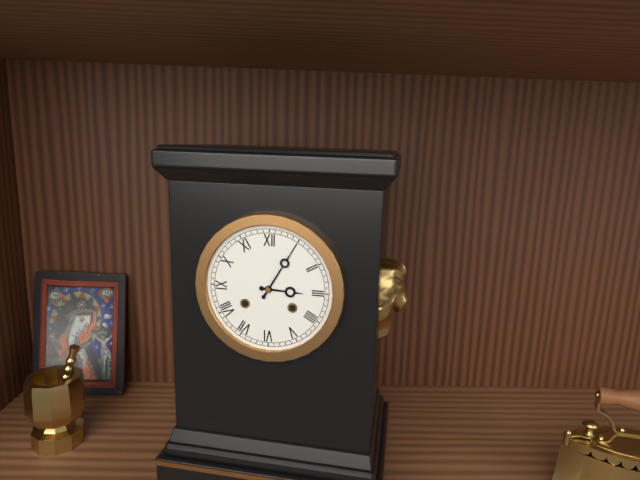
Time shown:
{"hour": 3, "minute": 5}
